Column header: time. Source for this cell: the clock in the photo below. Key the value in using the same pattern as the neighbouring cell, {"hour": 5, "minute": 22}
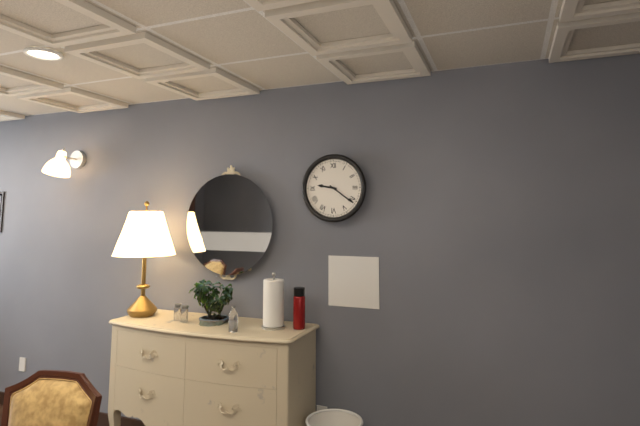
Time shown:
{"hour": 9, "minute": 21}
